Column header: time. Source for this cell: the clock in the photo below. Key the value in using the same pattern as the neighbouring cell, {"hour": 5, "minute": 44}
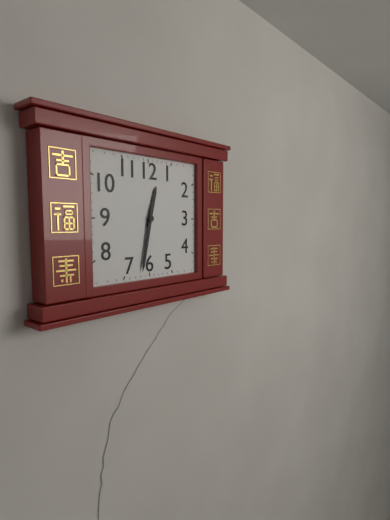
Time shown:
{"hour": 12, "minute": 32}
